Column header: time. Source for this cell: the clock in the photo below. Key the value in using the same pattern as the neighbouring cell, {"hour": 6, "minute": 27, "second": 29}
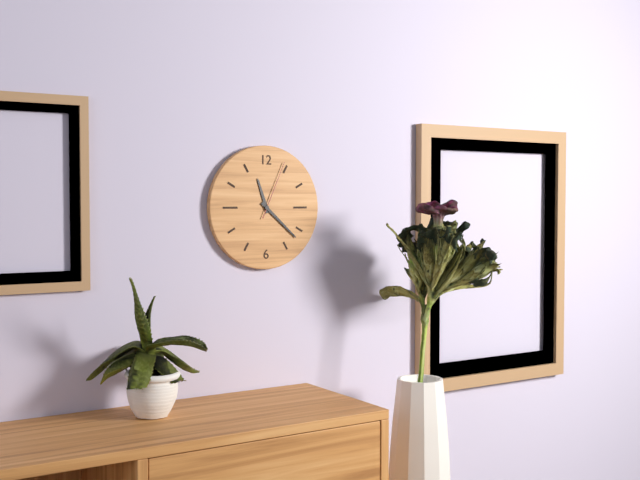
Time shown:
{"hour": 11, "minute": 22, "second": 4}
